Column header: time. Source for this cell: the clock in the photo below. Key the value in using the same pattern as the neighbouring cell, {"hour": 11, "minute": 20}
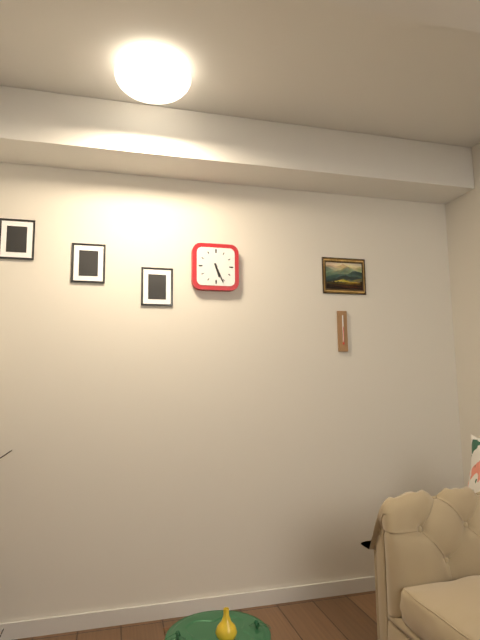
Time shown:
{"hour": 5, "minute": 26}
